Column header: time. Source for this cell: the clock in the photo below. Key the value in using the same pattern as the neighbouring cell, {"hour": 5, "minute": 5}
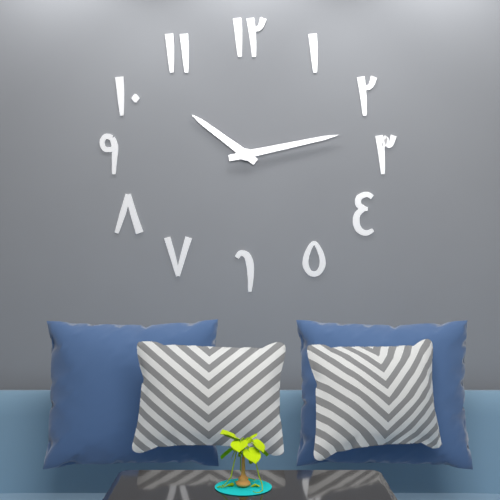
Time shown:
{"hour": 10, "minute": 13}
